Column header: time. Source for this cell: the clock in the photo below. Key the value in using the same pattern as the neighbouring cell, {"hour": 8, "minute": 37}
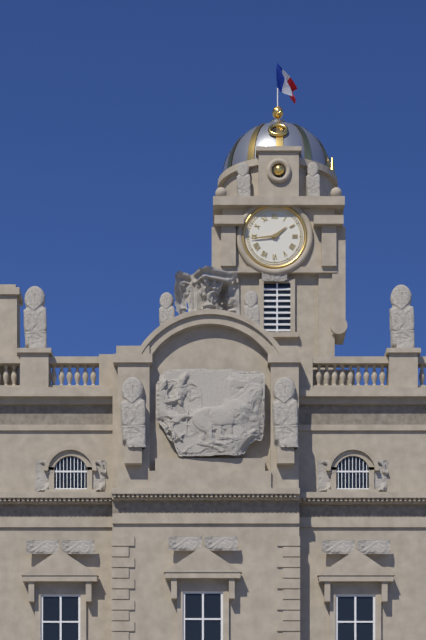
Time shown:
{"hour": 1, "minute": 44}
